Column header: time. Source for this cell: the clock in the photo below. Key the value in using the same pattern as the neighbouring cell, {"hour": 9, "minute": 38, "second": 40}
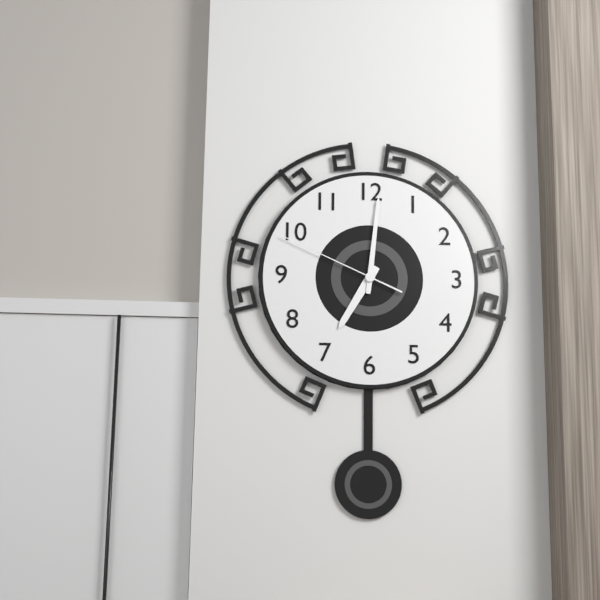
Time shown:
{"hour": 7, "minute": 1, "second": 49}
